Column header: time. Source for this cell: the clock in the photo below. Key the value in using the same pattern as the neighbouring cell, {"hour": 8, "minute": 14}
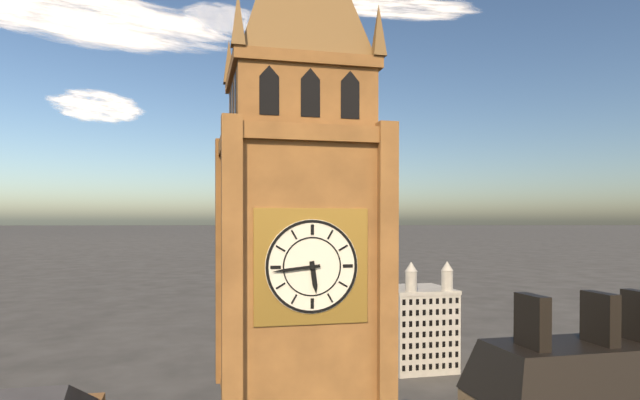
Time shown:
{"hour": 5, "minute": 44}
